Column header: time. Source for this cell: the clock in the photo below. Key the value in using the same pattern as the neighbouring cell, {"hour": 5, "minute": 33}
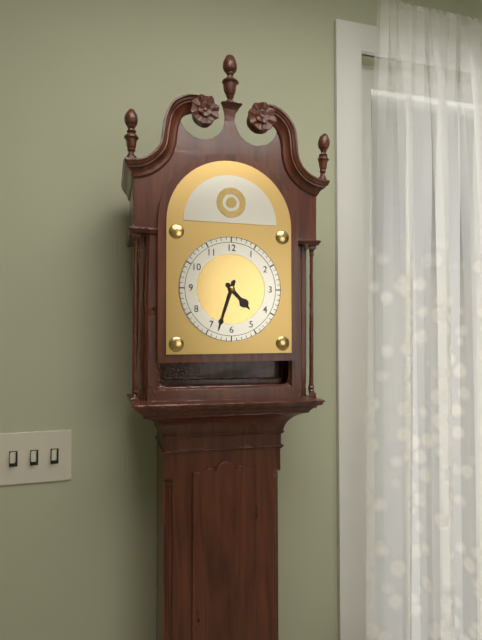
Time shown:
{"hour": 4, "minute": 33}
